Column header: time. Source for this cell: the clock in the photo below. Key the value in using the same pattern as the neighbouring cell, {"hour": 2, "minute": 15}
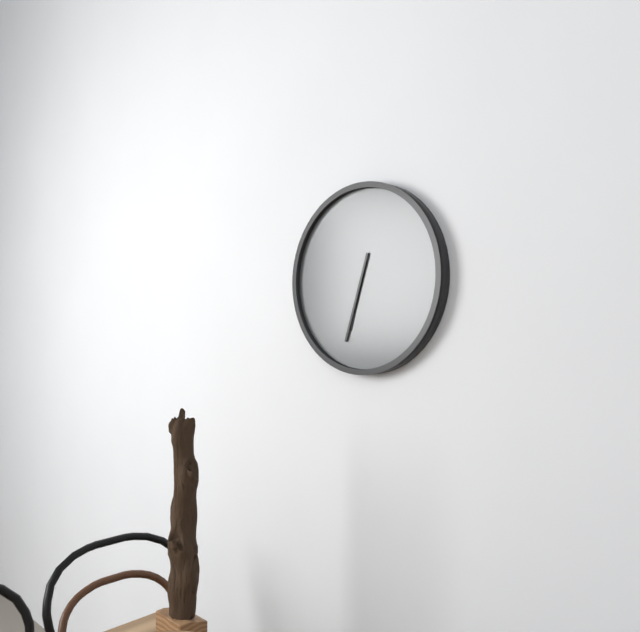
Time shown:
{"hour": 6, "minute": 33}
